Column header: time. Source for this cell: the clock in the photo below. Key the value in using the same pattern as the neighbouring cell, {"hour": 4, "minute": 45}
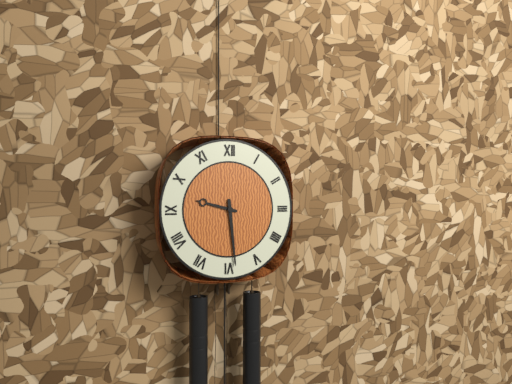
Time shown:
{"hour": 9, "minute": 29}
